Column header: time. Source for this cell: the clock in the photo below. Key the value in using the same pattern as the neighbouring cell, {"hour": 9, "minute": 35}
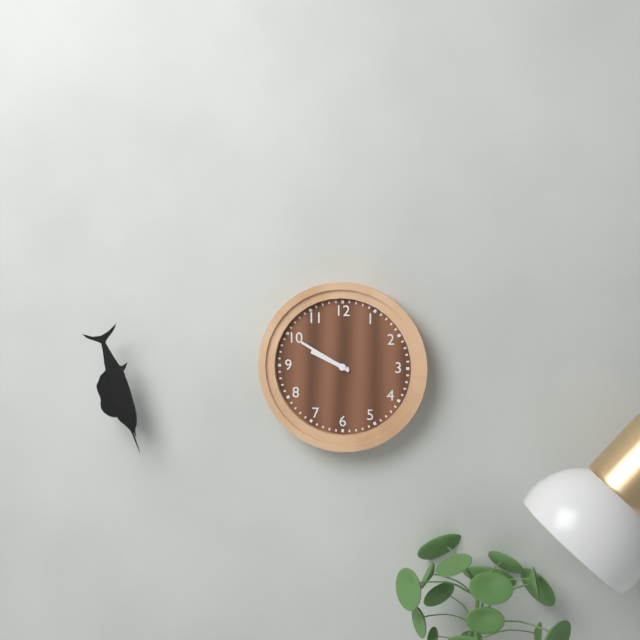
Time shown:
{"hour": 9, "minute": 50}
